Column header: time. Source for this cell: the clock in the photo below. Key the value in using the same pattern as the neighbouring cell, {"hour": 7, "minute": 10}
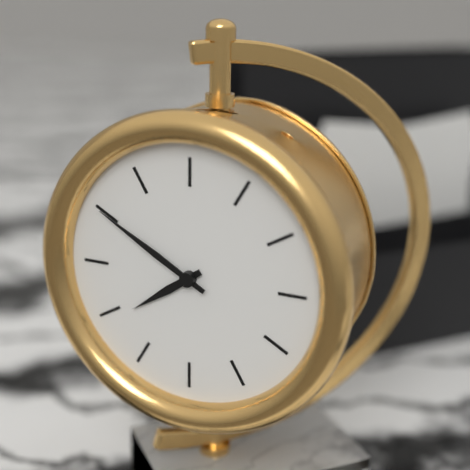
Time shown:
{"hour": 7, "minute": 50}
